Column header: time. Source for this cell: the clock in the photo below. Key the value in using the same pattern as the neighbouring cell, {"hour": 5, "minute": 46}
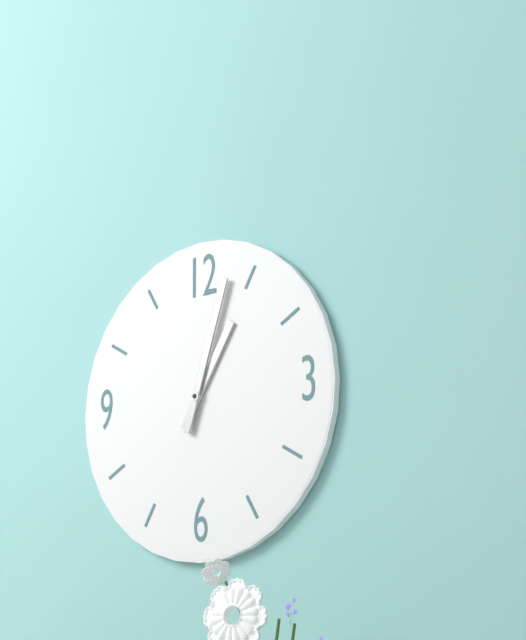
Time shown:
{"hour": 1, "minute": 3}
